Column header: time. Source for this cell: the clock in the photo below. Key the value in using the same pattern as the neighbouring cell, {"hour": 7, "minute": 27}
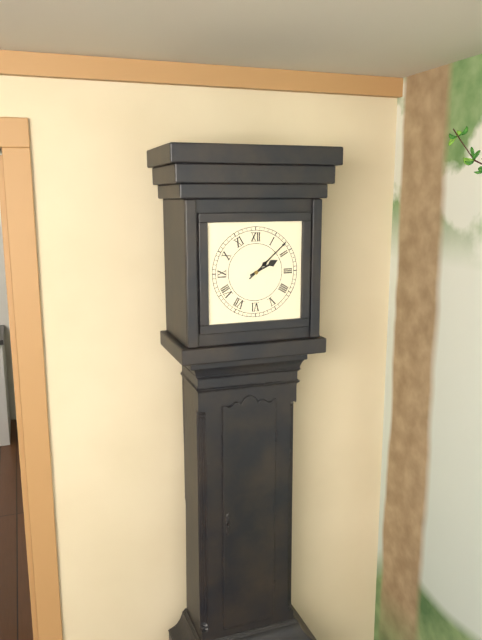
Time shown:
{"hour": 2, "minute": 8}
